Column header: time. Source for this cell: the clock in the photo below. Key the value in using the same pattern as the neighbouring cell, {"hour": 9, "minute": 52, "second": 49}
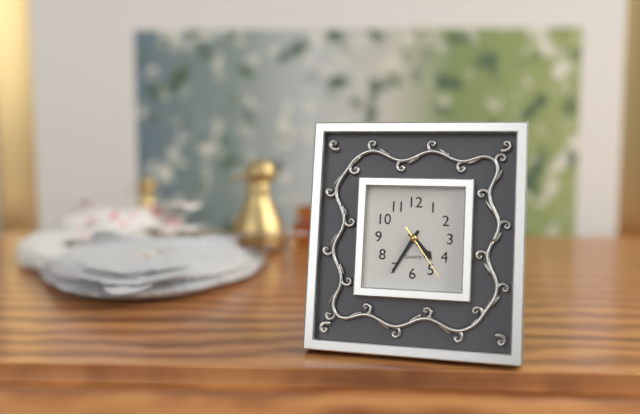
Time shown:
{"hour": 4, "minute": 35, "second": 24}
